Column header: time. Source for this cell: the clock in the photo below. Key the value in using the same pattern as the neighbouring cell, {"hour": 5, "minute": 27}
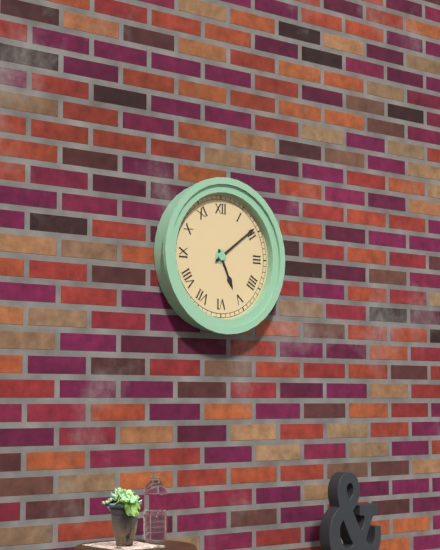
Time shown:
{"hour": 5, "minute": 9}
